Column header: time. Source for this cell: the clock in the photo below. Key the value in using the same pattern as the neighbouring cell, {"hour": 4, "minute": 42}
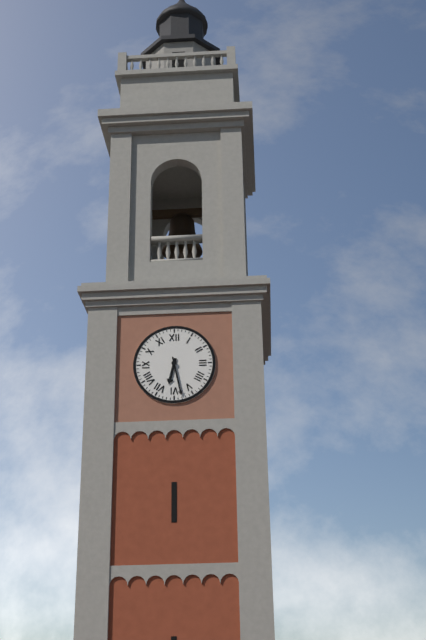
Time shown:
{"hour": 6, "minute": 28}
